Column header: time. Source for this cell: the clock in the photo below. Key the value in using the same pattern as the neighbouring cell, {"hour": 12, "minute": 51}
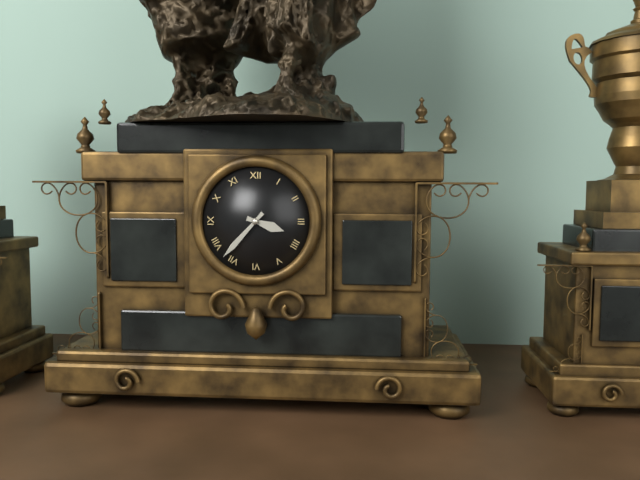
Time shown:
{"hour": 3, "minute": 37}
